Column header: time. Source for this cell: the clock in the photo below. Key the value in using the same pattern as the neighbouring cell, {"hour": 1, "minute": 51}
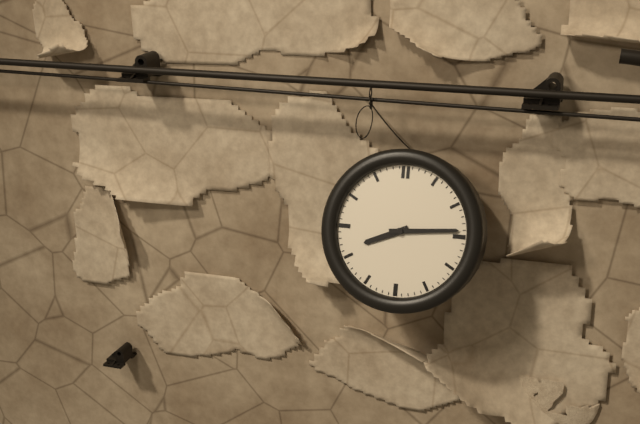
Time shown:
{"hour": 8, "minute": 14}
